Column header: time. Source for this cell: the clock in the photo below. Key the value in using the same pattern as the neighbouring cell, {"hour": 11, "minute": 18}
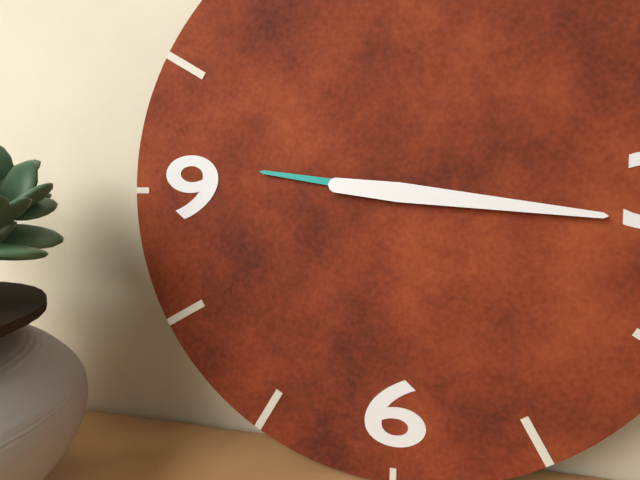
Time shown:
{"hour": 9, "minute": 16}
